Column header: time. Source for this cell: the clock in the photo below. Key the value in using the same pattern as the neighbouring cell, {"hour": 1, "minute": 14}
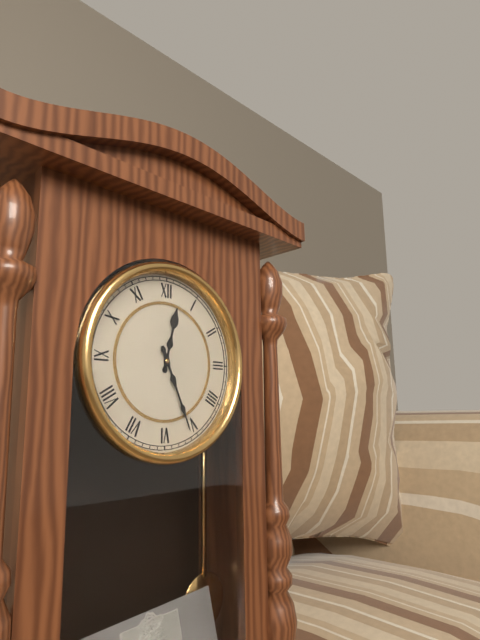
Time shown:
{"hour": 12, "minute": 26}
